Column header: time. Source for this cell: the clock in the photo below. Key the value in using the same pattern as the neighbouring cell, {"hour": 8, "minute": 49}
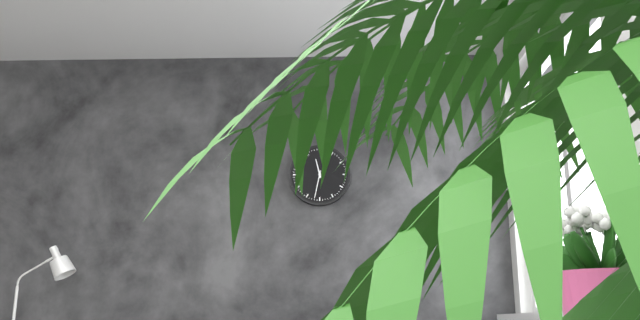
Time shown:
{"hour": 11, "minute": 32}
